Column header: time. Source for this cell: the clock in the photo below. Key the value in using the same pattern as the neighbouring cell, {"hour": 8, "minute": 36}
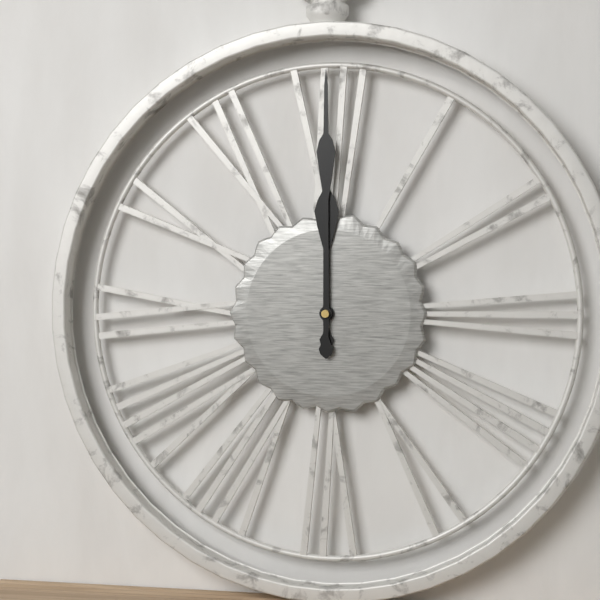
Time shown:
{"hour": 12, "minute": 0}
